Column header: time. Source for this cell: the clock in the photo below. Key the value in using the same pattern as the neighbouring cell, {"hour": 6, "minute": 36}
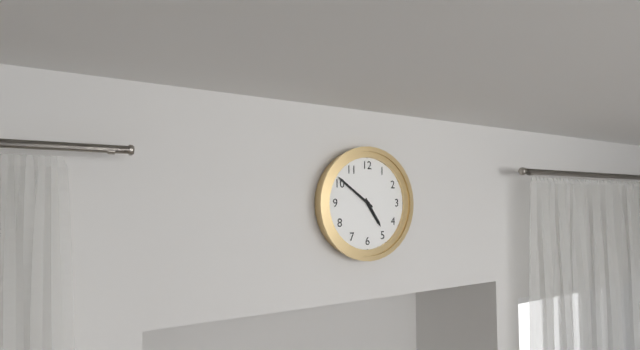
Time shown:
{"hour": 4, "minute": 51}
